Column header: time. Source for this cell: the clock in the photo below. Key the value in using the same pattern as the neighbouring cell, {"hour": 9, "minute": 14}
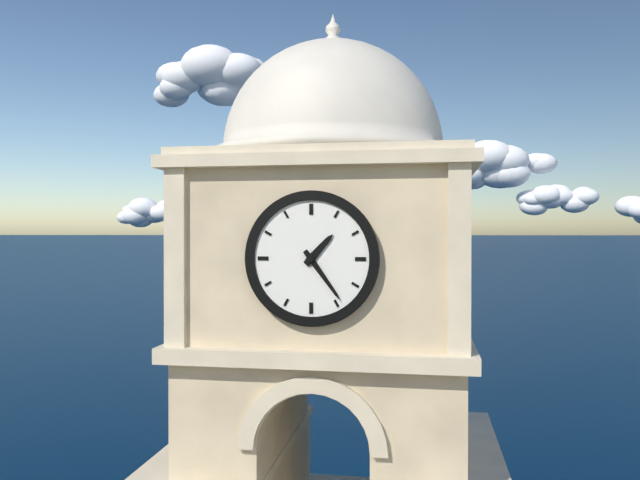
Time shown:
{"hour": 1, "minute": 24}
